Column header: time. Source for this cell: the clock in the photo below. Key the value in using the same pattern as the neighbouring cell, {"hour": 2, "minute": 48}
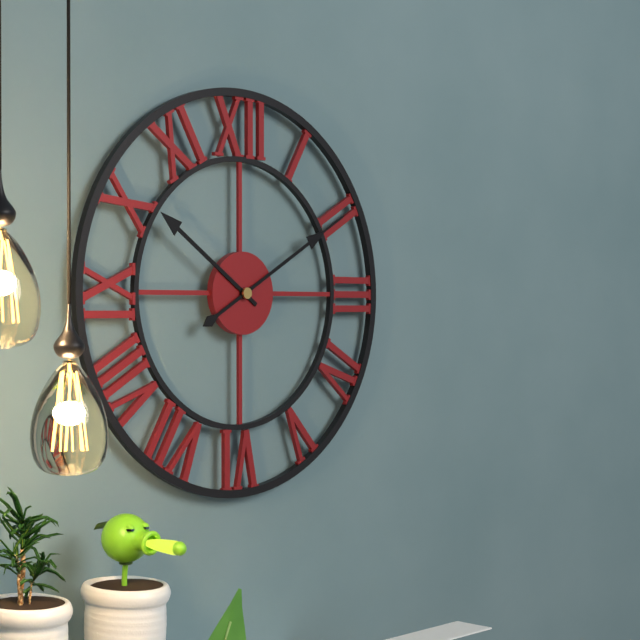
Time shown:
{"hour": 10, "minute": 10}
